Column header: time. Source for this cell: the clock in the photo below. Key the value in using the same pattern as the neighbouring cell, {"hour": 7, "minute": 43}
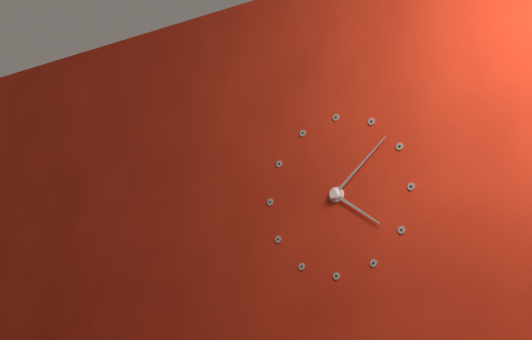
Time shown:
{"hour": 4, "minute": 8}
